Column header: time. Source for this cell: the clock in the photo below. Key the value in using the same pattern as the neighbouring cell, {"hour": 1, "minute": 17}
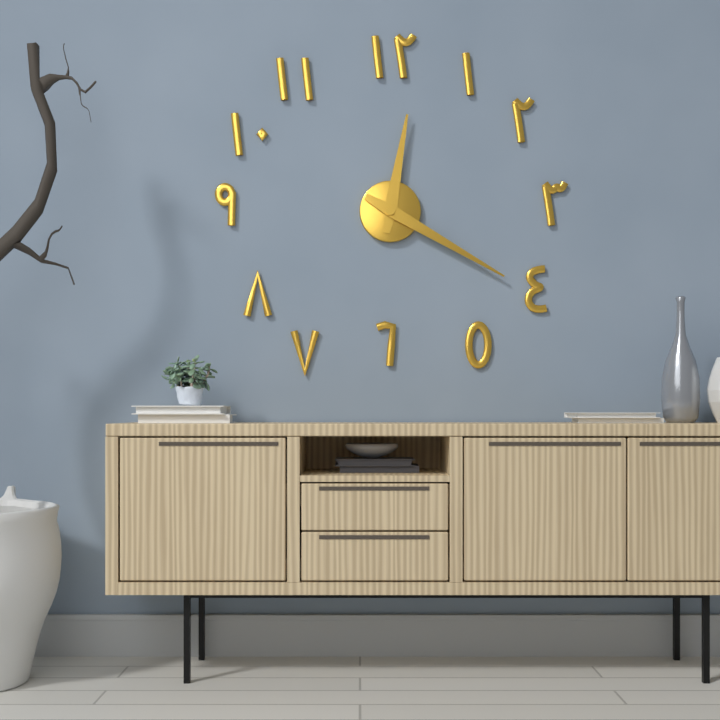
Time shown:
{"hour": 12, "minute": 20}
